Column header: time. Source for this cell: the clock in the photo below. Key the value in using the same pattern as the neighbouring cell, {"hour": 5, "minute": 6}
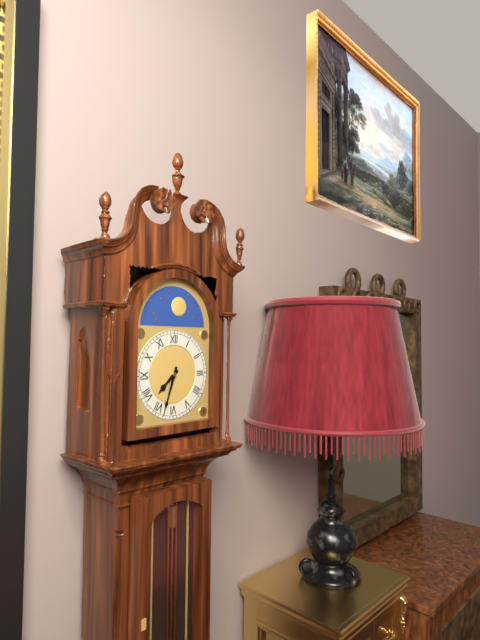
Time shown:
{"hour": 7, "minute": 33}
